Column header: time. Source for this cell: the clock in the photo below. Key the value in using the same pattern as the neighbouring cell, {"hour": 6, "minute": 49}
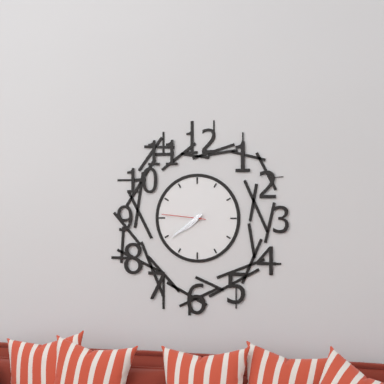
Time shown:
{"hour": 7, "minute": 39}
